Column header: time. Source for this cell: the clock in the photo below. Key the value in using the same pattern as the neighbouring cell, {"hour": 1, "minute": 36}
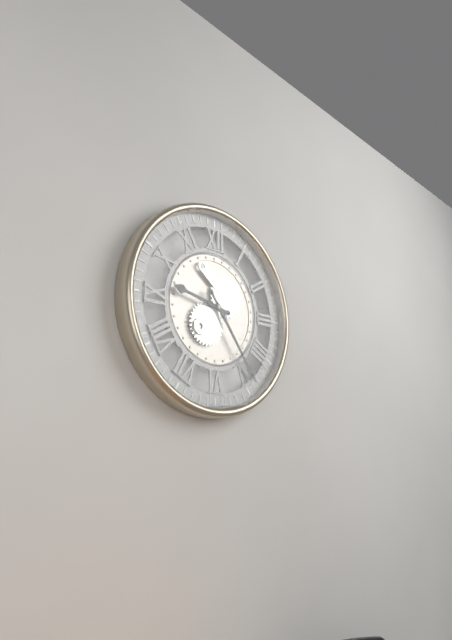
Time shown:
{"hour": 9, "minute": 24}
